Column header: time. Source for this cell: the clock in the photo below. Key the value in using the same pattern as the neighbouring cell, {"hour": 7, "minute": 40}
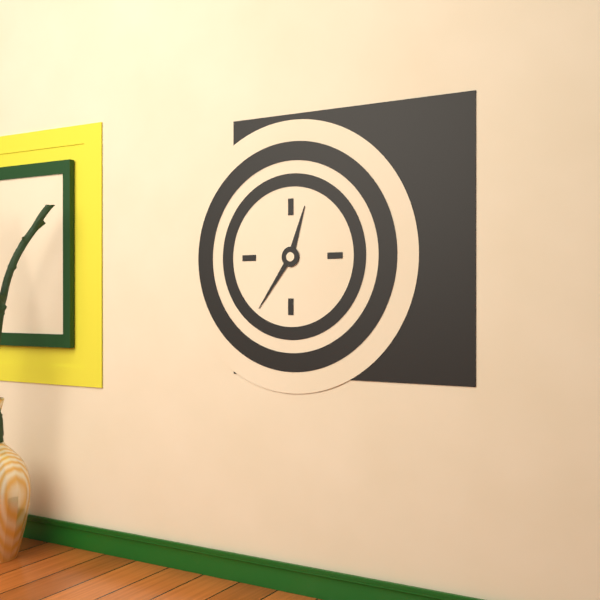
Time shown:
{"hour": 12, "minute": 36}
